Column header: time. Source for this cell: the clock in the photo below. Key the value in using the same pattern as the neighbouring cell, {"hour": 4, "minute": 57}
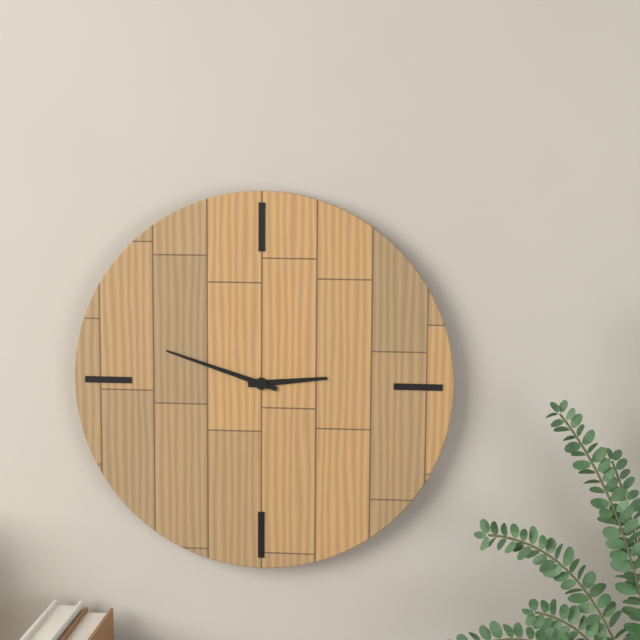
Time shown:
{"hour": 2, "minute": 48}
